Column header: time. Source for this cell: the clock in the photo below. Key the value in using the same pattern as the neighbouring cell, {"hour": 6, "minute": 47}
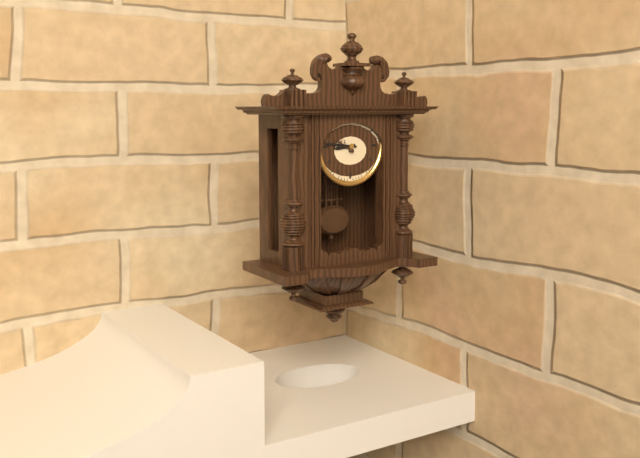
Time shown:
{"hour": 8, "minute": 46}
